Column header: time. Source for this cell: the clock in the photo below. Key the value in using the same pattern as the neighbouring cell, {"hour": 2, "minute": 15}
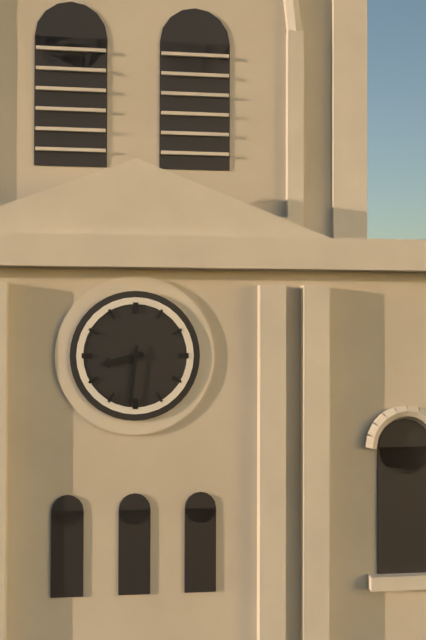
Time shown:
{"hour": 8, "minute": 31}
